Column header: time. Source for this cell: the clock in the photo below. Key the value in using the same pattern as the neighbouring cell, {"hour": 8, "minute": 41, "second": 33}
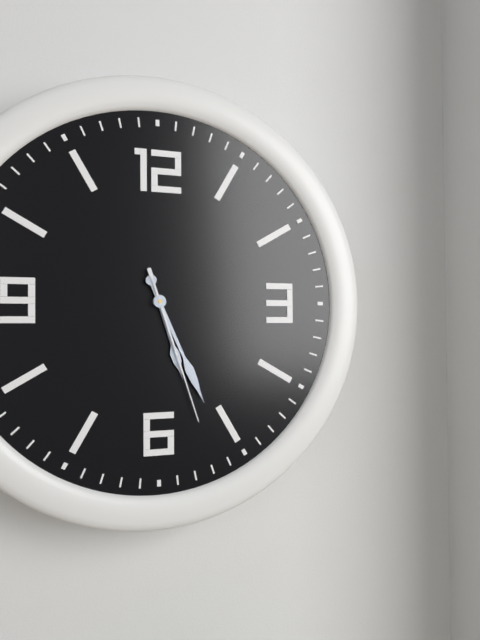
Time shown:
{"hour": 5, "minute": 26, "second": 27}
